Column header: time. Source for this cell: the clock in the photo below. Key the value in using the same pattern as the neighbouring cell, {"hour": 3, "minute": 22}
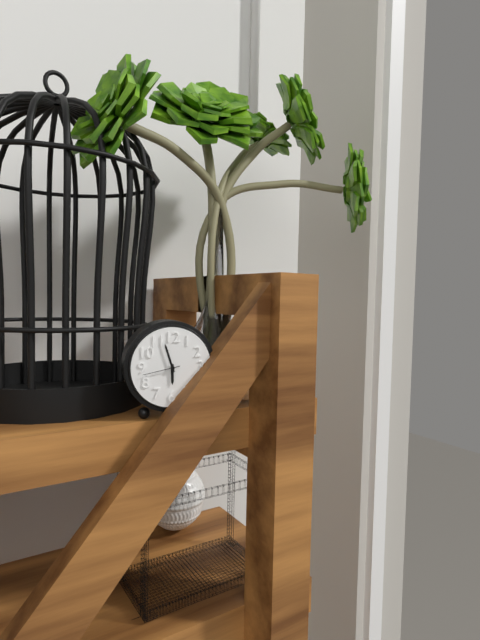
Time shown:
{"hour": 5, "minute": 57}
